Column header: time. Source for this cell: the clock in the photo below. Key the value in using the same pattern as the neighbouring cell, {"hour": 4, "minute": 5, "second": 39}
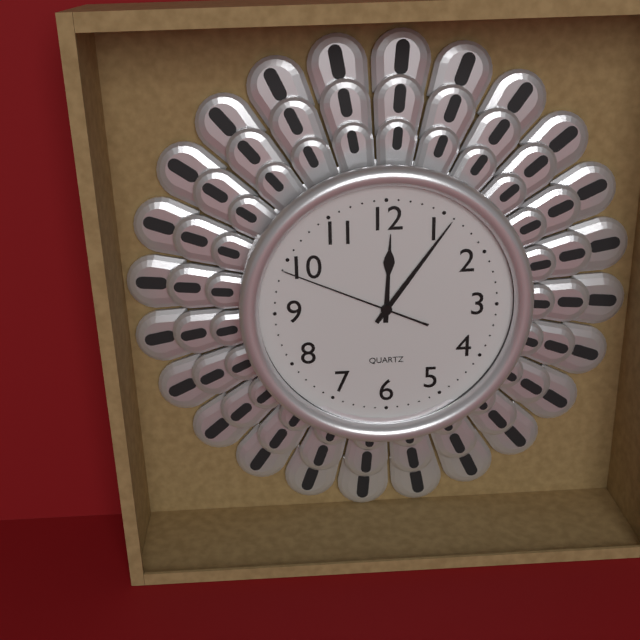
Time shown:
{"hour": 12, "minute": 6, "second": 49}
